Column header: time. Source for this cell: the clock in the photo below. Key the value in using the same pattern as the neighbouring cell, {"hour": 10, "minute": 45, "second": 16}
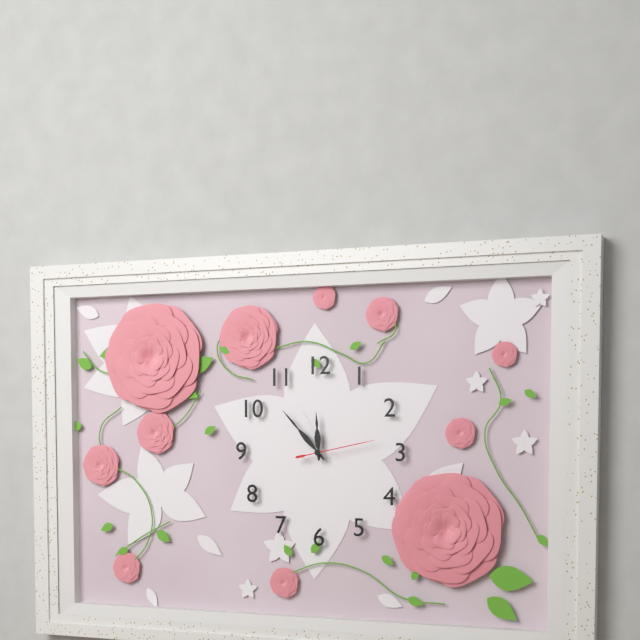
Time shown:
{"hour": 11, "minute": 53, "second": 13}
